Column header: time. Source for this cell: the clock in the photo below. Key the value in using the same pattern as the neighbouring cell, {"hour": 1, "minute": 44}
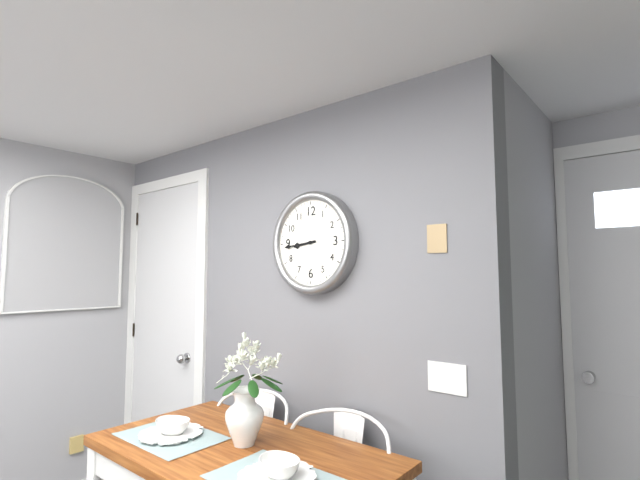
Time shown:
{"hour": 8, "minute": 44}
